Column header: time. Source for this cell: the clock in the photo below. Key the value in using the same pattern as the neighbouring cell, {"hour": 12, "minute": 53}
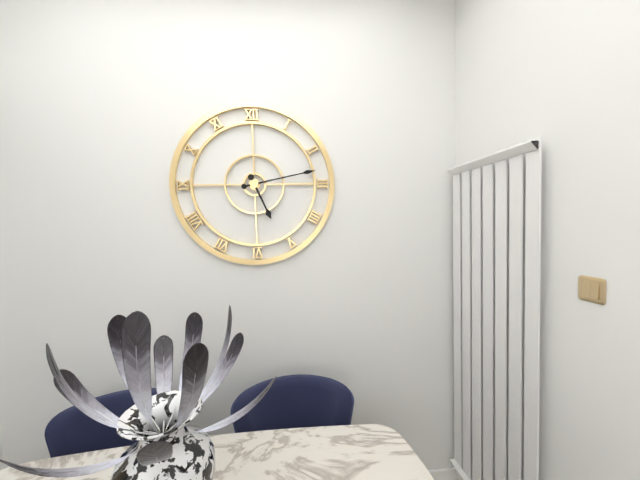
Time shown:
{"hour": 5, "minute": 13}
